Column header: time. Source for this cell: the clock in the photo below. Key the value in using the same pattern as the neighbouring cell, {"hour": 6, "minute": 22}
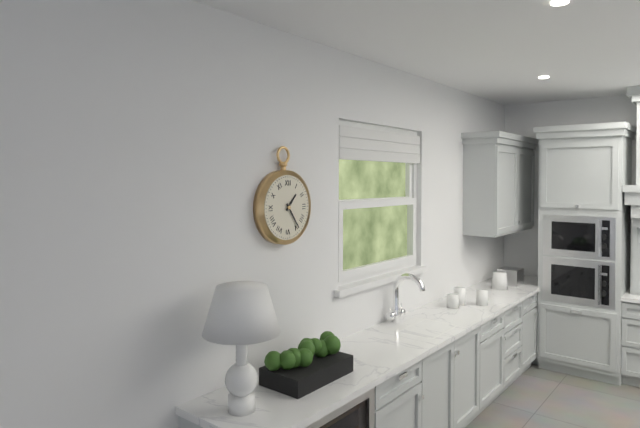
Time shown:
{"hour": 1, "minute": 24}
